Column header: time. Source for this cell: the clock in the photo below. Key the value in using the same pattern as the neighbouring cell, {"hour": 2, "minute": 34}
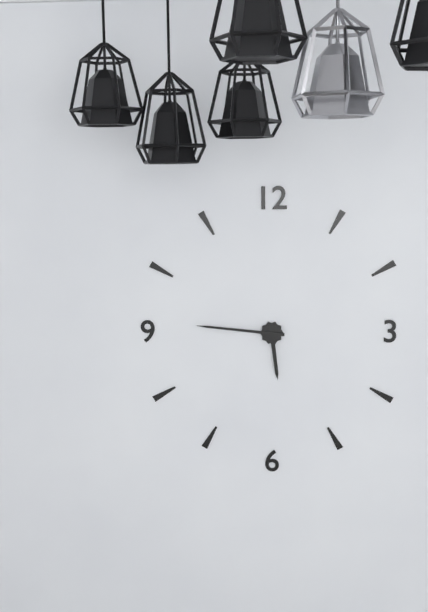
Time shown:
{"hour": 5, "minute": 46}
